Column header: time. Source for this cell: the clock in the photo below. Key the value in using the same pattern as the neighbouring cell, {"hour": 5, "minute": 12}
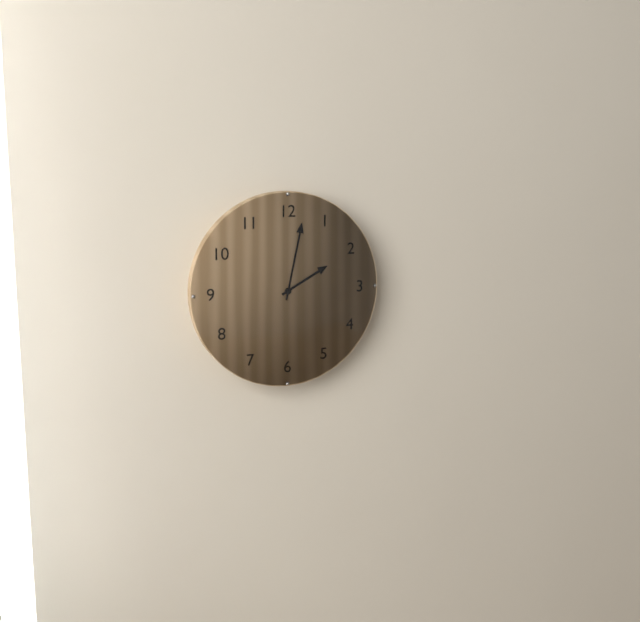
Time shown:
{"hour": 2, "minute": 2}
